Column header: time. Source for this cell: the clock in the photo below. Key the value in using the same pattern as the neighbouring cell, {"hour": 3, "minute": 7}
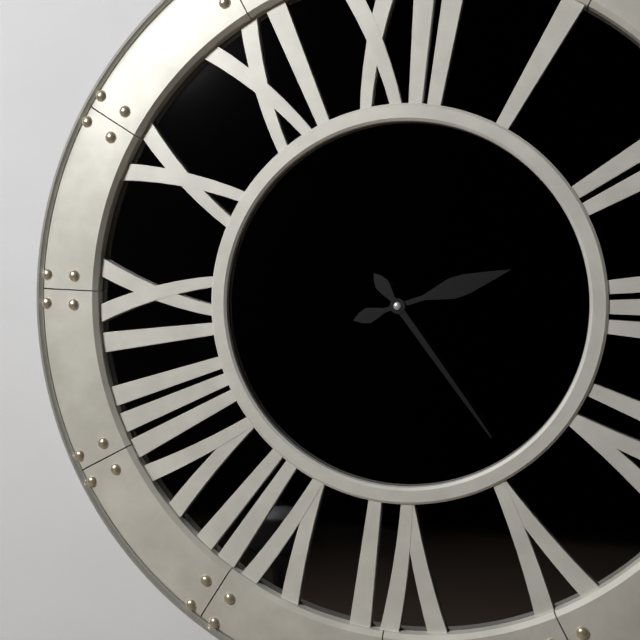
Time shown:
{"hour": 2, "minute": 24}
